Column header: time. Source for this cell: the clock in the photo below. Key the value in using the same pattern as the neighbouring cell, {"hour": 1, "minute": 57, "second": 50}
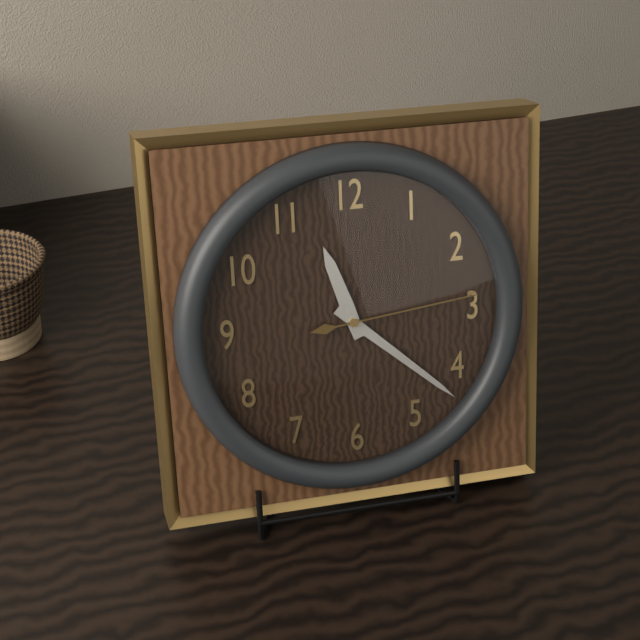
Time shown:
{"hour": 11, "minute": 22, "second": 14}
